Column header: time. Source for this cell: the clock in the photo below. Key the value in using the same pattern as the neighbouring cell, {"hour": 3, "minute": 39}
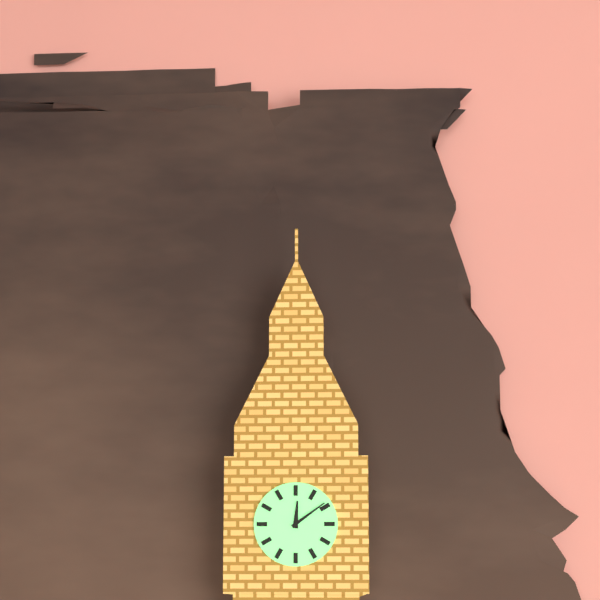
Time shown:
{"hour": 12, "minute": 9}
